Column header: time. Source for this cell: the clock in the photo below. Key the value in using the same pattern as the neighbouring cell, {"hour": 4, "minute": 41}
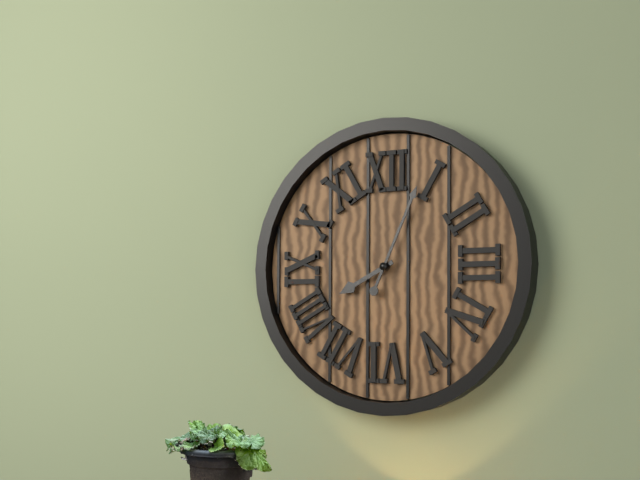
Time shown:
{"hour": 8, "minute": 4}
